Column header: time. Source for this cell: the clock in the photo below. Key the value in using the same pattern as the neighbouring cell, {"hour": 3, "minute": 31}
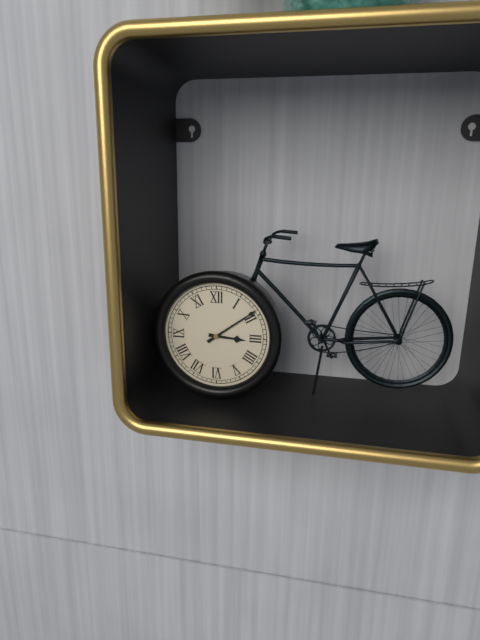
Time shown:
{"hour": 3, "minute": 9}
